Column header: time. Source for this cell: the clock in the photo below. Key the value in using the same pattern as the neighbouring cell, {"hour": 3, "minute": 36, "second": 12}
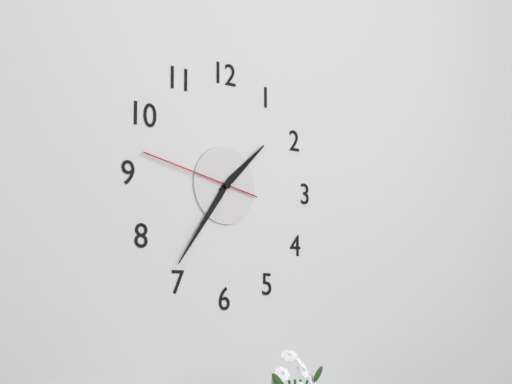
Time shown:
{"hour": 1, "minute": 36, "second": 47}
